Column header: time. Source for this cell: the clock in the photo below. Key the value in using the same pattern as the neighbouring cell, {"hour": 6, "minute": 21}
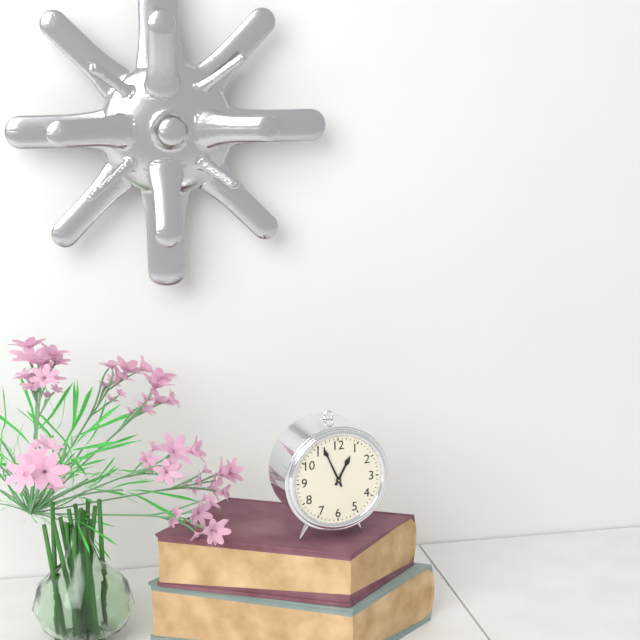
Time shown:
{"hour": 12, "minute": 56}
